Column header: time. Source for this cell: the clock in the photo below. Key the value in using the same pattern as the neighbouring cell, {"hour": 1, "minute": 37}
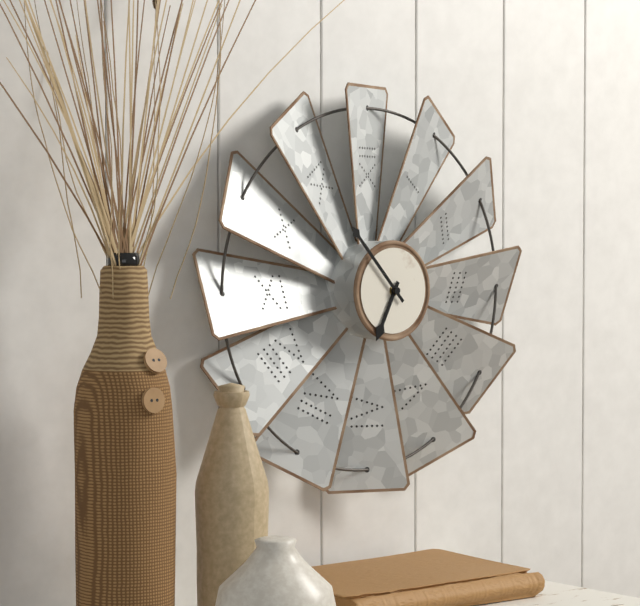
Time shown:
{"hour": 6, "minute": 53}
